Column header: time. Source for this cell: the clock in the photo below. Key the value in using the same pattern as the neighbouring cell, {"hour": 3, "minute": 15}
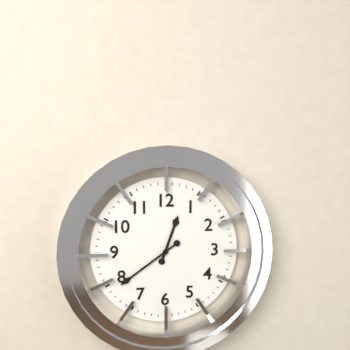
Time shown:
{"hour": 12, "minute": 39}
